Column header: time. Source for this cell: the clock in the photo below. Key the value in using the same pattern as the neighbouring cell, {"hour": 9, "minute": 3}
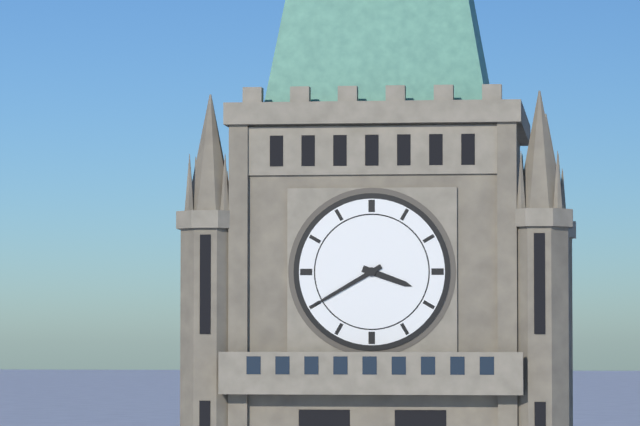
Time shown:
{"hour": 3, "minute": 40}
